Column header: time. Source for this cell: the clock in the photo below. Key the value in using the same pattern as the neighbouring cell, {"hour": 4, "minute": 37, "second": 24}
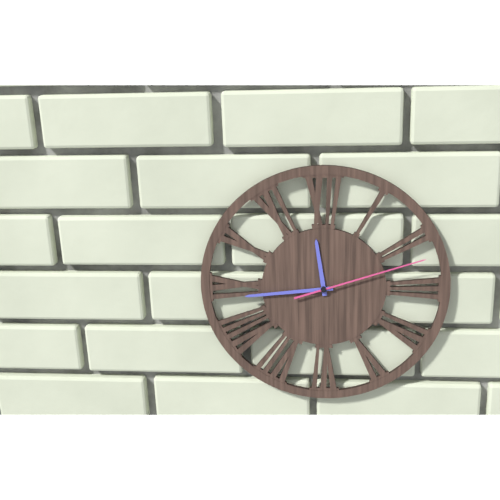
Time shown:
{"hour": 11, "minute": 44, "second": 12}
